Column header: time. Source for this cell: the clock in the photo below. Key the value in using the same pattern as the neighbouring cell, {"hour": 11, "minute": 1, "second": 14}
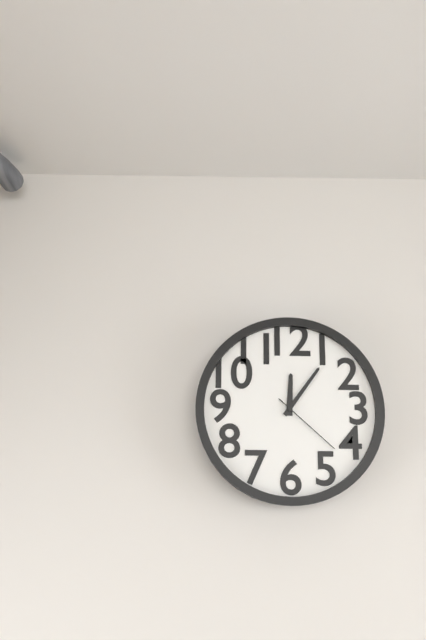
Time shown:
{"hour": 12, "minute": 6, "second": 22}
